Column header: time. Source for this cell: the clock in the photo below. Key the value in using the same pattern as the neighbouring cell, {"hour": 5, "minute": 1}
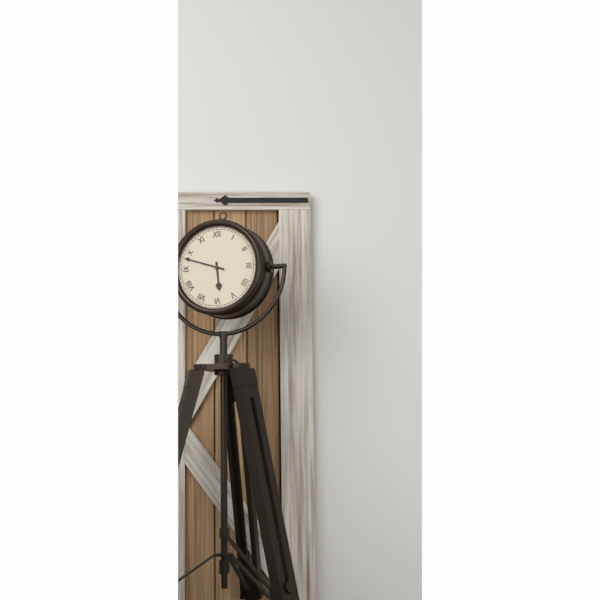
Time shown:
{"hour": 5, "minute": 48}
